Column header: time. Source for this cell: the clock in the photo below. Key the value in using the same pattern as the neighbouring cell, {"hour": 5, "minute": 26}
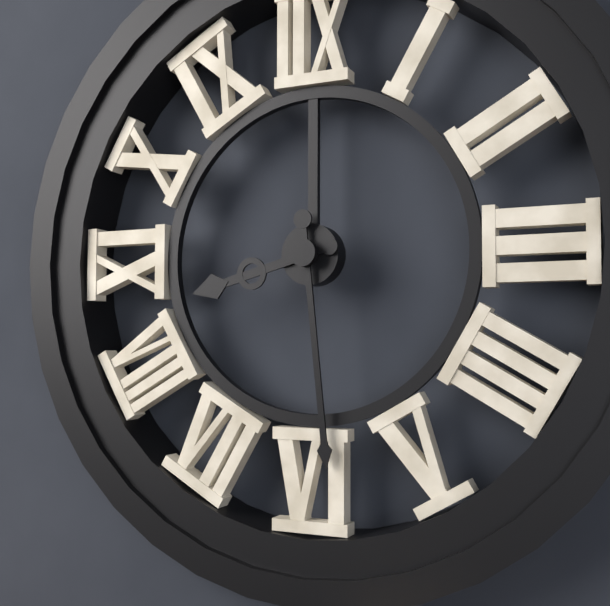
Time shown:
{"hour": 8, "minute": 29}
